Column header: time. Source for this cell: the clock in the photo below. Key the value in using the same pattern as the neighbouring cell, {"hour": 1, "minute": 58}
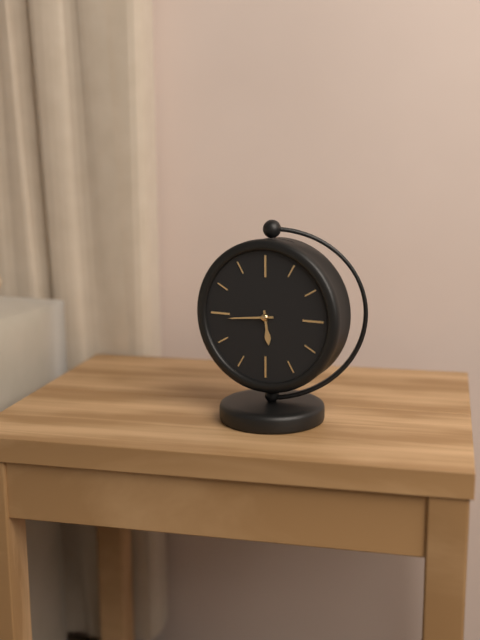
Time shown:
{"hour": 5, "minute": 44}
